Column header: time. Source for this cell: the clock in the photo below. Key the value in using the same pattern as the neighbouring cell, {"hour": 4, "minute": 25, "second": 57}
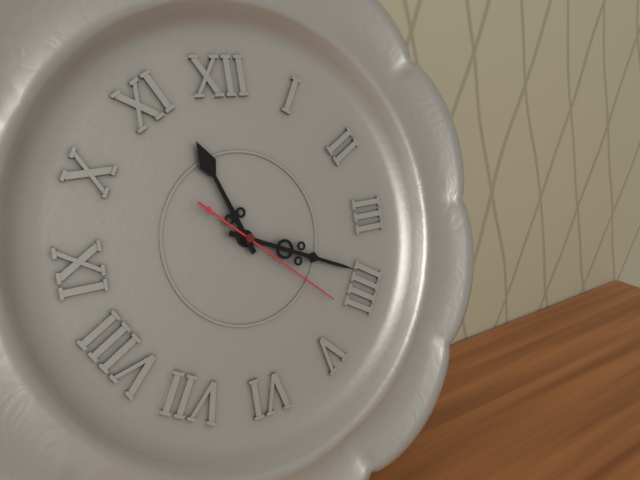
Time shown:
{"hour": 11, "minute": 19, "second": 22}
